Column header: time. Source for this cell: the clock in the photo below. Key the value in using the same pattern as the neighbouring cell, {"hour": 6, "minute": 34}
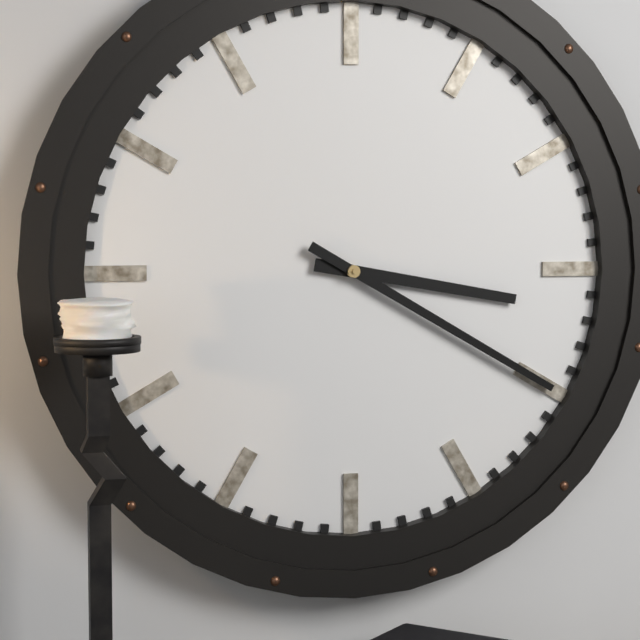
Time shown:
{"hour": 3, "minute": 20}
